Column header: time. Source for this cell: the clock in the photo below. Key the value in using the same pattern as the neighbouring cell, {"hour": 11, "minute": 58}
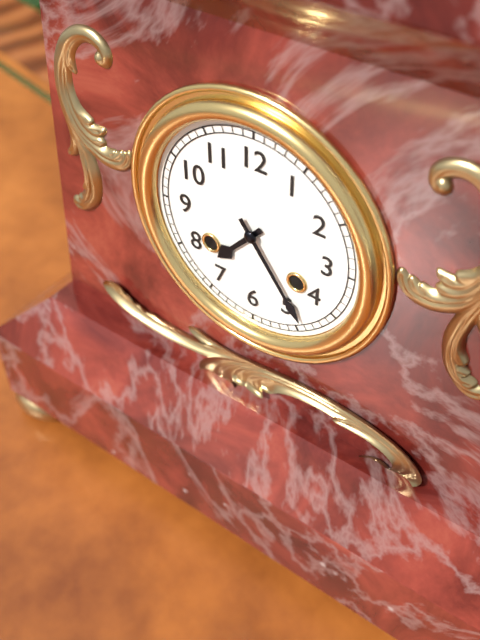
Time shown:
{"hour": 7, "minute": 24}
